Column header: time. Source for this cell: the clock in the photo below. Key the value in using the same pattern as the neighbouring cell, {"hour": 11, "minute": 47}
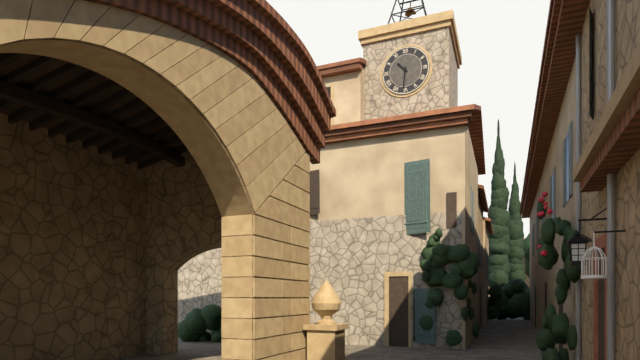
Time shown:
{"hour": 10, "minute": 31}
